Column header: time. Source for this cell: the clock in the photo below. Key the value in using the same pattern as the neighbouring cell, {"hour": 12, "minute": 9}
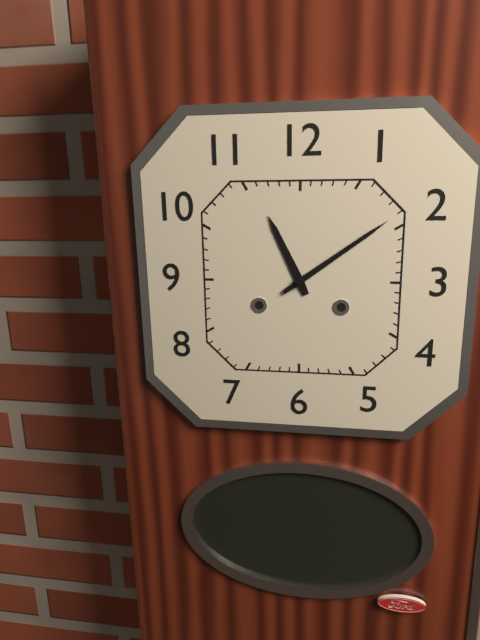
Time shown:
{"hour": 11, "minute": 9}
